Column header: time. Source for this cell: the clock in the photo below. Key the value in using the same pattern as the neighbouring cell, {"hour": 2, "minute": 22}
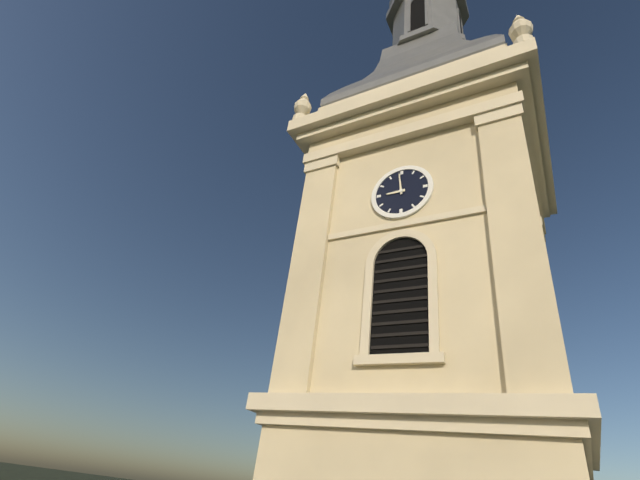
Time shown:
{"hour": 8, "minute": 59}
